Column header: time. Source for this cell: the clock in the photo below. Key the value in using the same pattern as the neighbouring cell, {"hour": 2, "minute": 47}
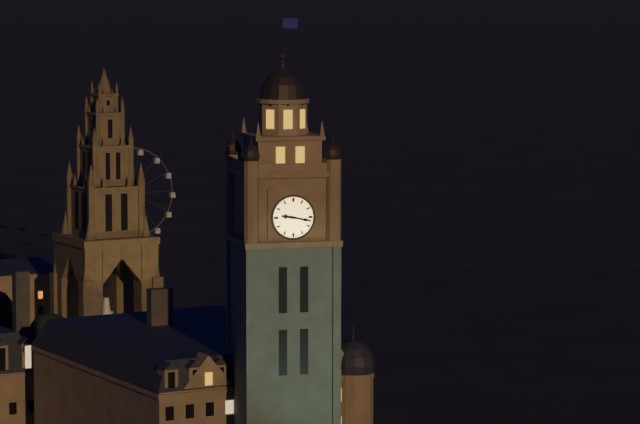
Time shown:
{"hour": 9, "minute": 17}
